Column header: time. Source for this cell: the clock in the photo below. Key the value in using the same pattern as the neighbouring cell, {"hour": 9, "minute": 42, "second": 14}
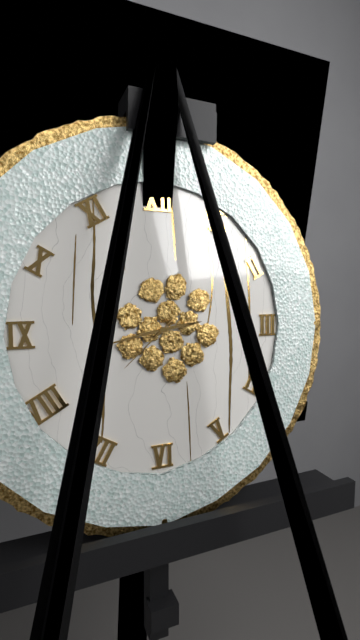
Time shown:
{"hour": 2, "minute": 43, "second": 38}
